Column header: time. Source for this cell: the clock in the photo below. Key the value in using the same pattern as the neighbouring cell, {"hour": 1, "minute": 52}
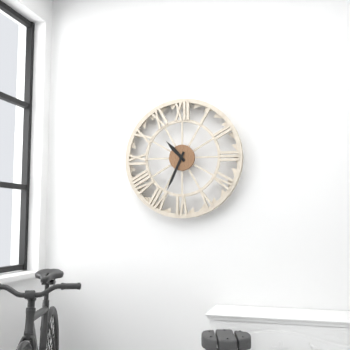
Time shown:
{"hour": 10, "minute": 34}
